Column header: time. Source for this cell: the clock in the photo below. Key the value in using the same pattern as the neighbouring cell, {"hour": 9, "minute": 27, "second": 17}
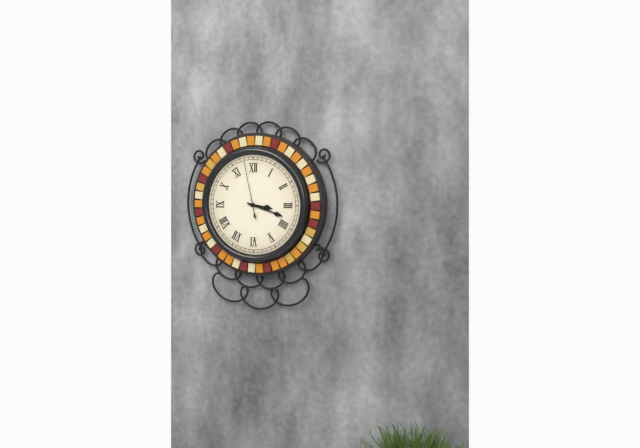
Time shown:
{"hour": 3, "minute": 18, "second": 58}
